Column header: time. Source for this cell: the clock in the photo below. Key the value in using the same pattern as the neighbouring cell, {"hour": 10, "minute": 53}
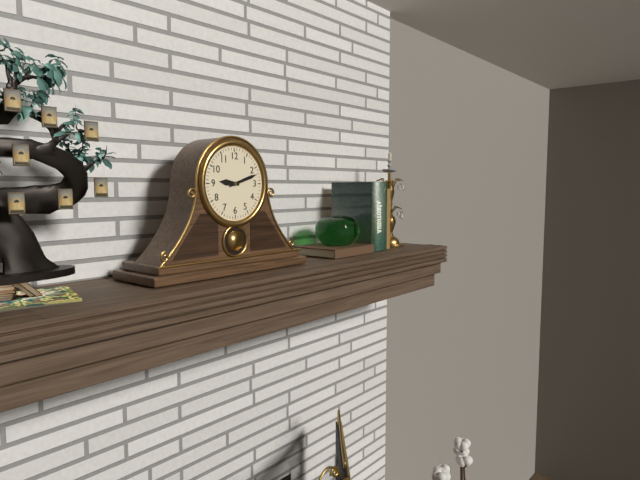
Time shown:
{"hour": 9, "minute": 12}
